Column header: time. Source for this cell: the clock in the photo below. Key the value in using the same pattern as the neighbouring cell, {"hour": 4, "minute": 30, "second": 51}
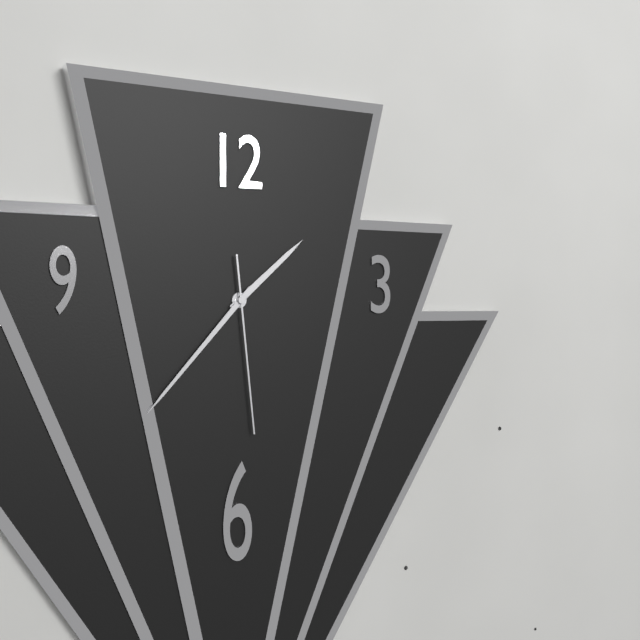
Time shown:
{"hour": 1, "minute": 37, "second": 29}
